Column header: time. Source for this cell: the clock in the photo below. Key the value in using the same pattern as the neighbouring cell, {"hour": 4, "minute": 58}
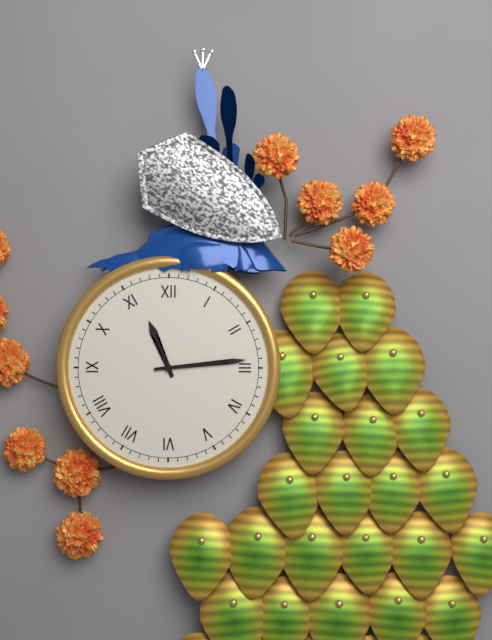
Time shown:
{"hour": 11, "minute": 14}
